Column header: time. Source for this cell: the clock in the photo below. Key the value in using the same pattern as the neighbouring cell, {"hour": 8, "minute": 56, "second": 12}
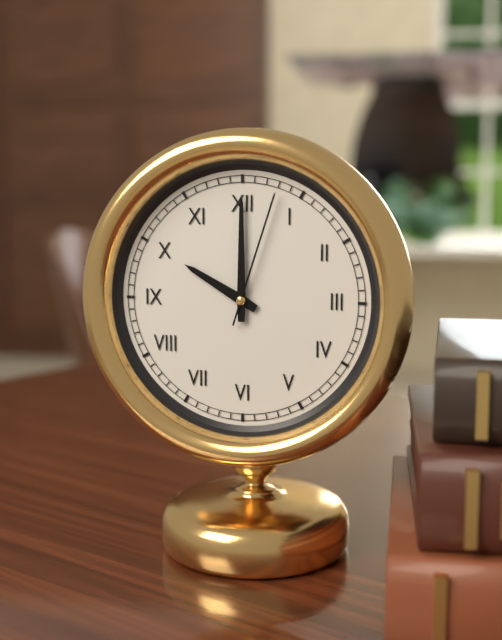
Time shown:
{"hour": 10, "minute": 0, "second": 3}
